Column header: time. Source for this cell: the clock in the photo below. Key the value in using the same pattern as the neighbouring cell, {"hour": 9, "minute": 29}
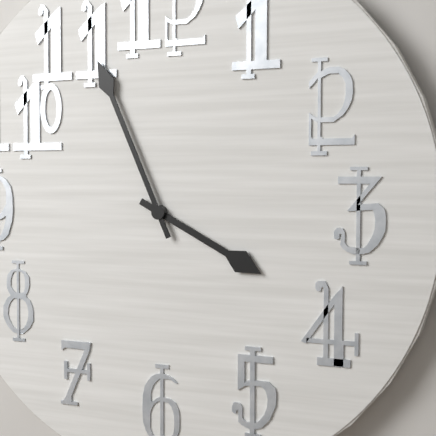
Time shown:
{"hour": 3, "minute": 56}
